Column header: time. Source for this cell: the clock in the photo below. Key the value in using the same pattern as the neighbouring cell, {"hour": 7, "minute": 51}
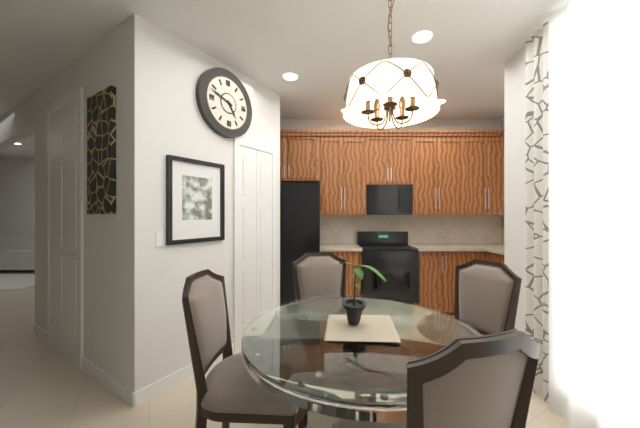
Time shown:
{"hour": 4, "minute": 48}
